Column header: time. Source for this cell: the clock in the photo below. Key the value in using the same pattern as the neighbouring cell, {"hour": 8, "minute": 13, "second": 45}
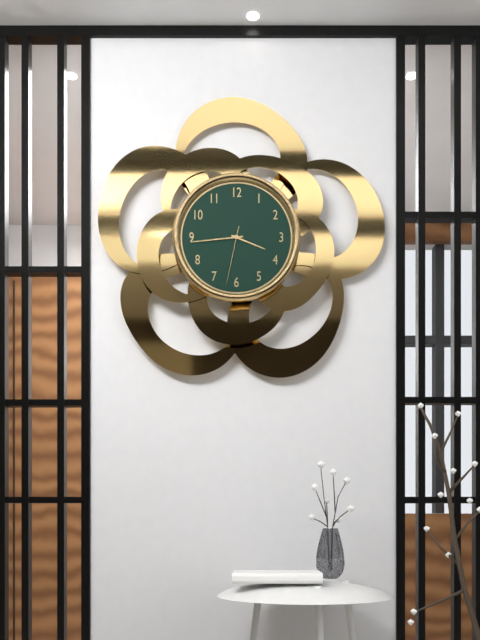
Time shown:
{"hour": 3, "minute": 44, "second": 32}
